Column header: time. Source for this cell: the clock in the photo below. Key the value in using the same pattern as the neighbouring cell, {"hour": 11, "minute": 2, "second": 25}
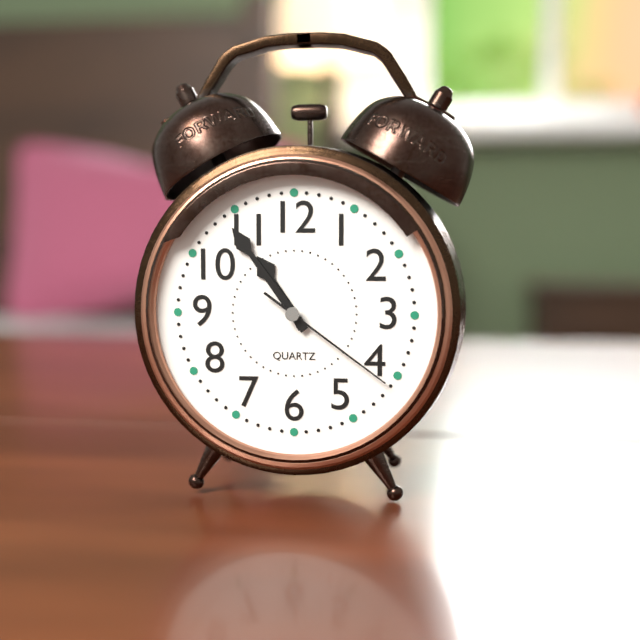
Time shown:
{"hour": 10, "minute": 54, "second": 21}
